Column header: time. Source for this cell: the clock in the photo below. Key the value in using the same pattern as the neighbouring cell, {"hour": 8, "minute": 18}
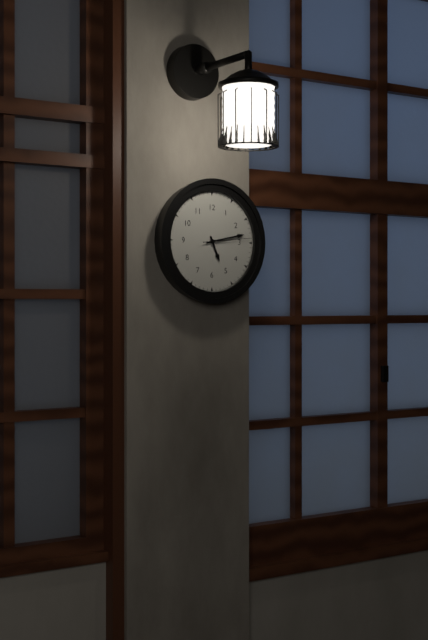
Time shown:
{"hour": 5, "minute": 13}
